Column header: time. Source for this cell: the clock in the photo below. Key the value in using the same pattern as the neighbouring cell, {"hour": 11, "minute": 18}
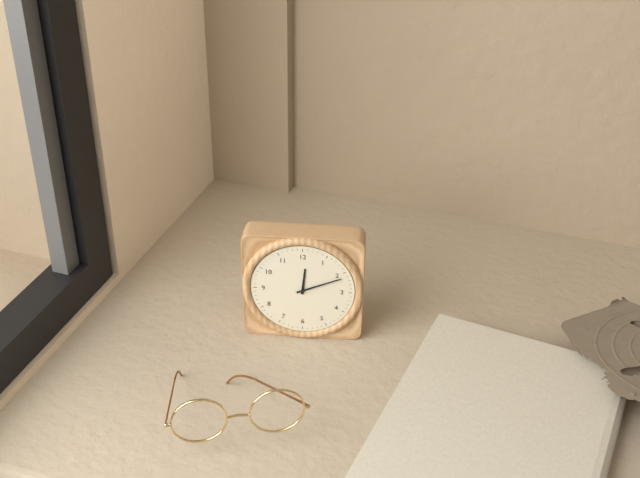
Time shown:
{"hour": 12, "minute": 11}
